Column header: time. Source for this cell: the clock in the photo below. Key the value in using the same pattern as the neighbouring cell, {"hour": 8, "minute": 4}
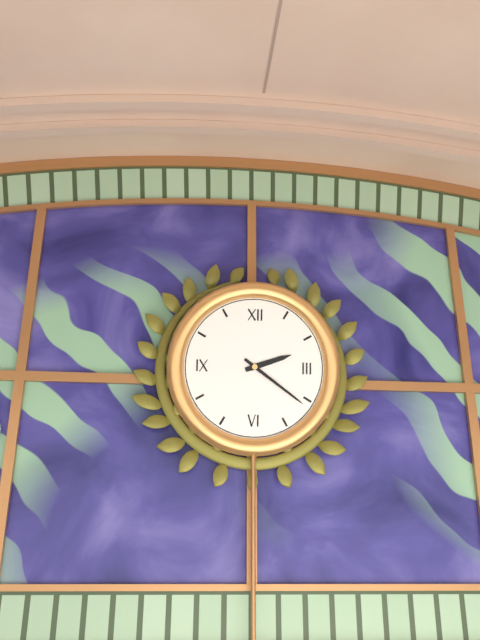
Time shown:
{"hour": 2, "minute": 21}
